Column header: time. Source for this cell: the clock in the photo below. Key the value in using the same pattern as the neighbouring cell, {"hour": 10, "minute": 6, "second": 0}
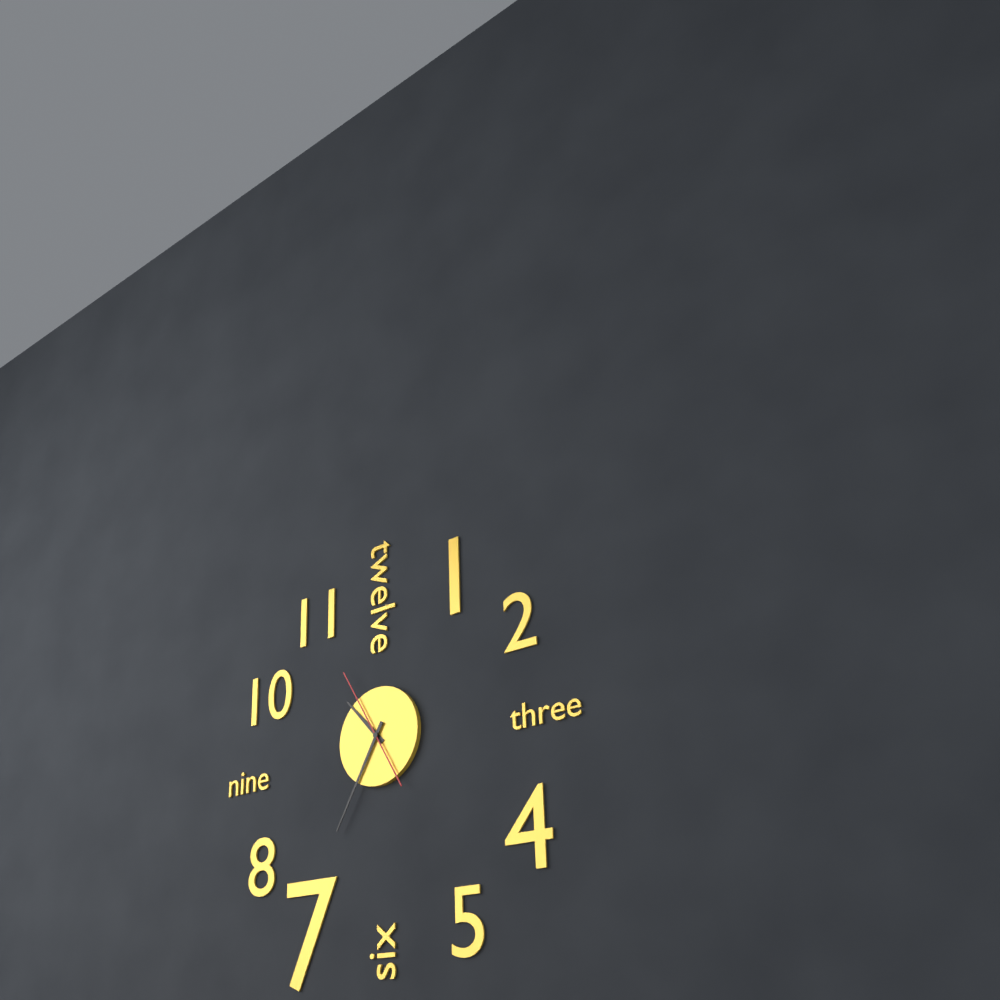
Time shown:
{"hour": 10, "minute": 35, "second": 55}
